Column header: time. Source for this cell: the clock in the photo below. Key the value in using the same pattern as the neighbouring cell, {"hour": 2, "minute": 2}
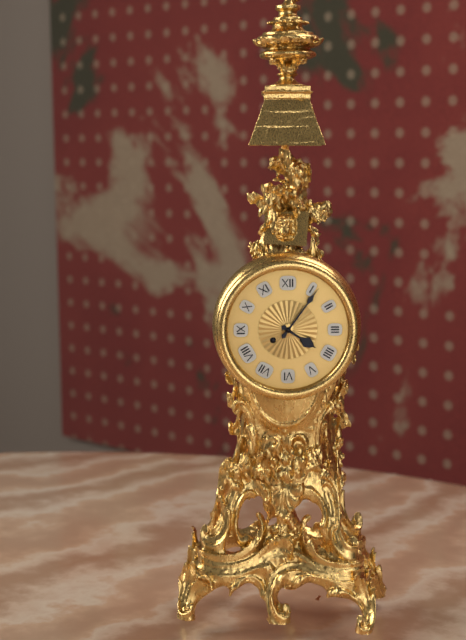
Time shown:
{"hour": 4, "minute": 6}
